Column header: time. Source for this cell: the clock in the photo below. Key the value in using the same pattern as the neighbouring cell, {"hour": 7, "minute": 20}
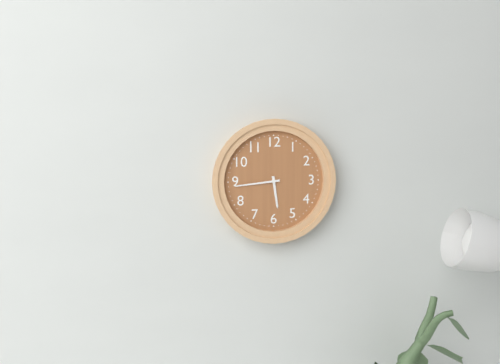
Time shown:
{"hour": 5, "minute": 44}
